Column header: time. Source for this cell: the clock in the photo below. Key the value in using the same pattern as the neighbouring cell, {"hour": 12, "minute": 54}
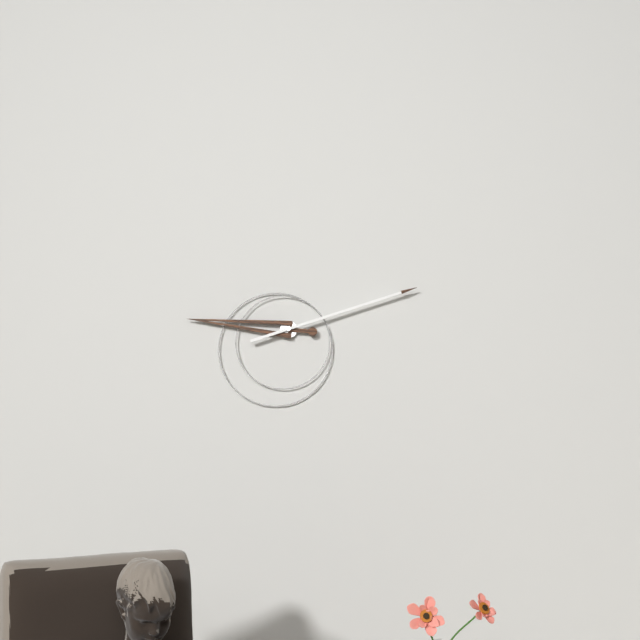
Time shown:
{"hour": 9, "minute": 12}
